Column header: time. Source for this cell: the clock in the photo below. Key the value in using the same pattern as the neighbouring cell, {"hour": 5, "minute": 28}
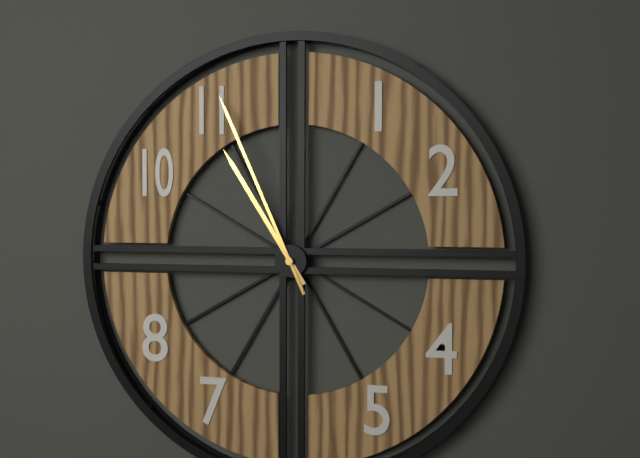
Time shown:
{"hour": 10, "minute": 56}
